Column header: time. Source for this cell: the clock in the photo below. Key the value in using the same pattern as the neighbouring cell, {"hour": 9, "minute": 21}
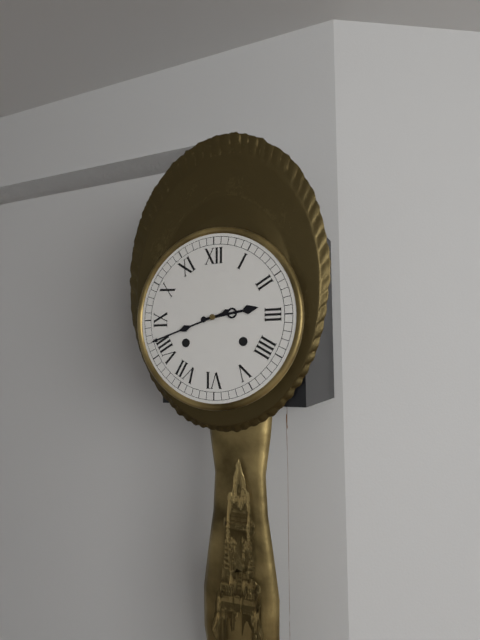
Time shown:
{"hour": 2, "minute": 42}
